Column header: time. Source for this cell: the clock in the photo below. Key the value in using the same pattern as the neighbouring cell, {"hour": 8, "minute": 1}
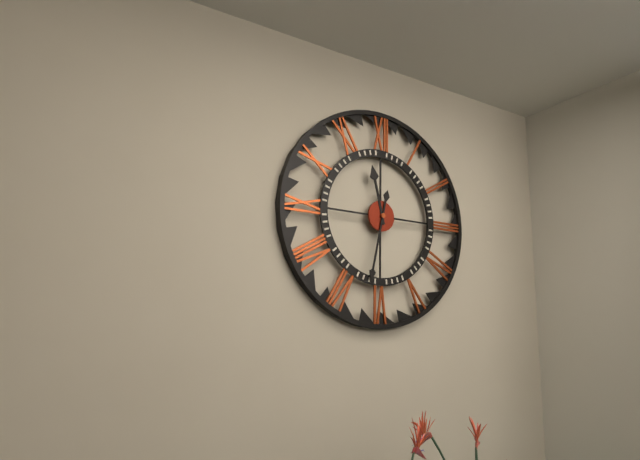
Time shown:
{"hour": 11, "minute": 32}
